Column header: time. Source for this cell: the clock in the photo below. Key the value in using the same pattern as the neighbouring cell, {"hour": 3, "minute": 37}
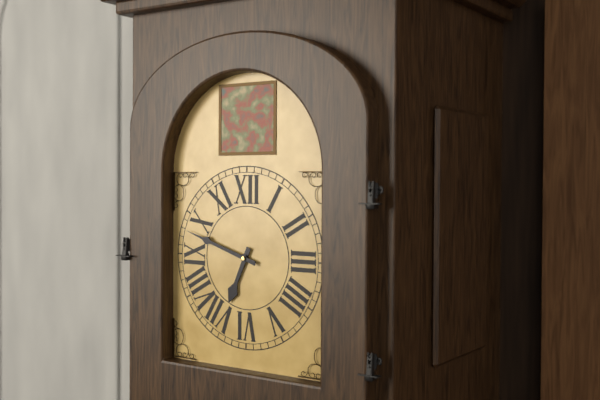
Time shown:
{"hour": 6, "minute": 48}
